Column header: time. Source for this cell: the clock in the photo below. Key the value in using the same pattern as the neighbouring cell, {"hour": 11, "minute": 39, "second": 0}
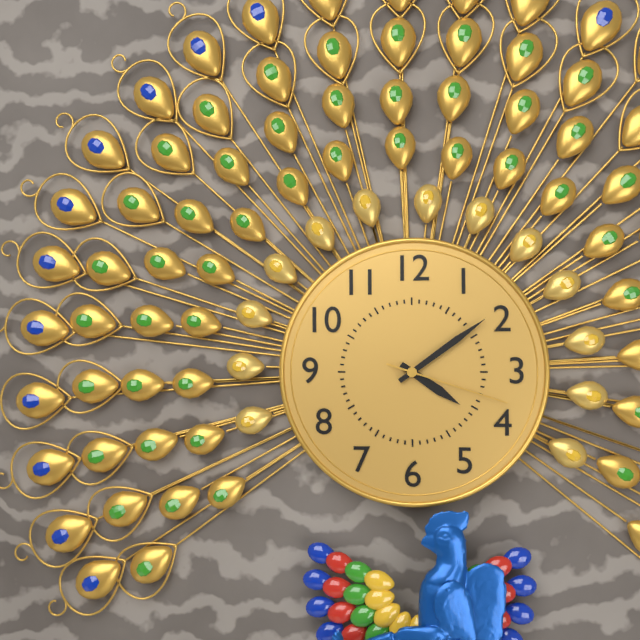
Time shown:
{"hour": 4, "minute": 9, "second": 18}
